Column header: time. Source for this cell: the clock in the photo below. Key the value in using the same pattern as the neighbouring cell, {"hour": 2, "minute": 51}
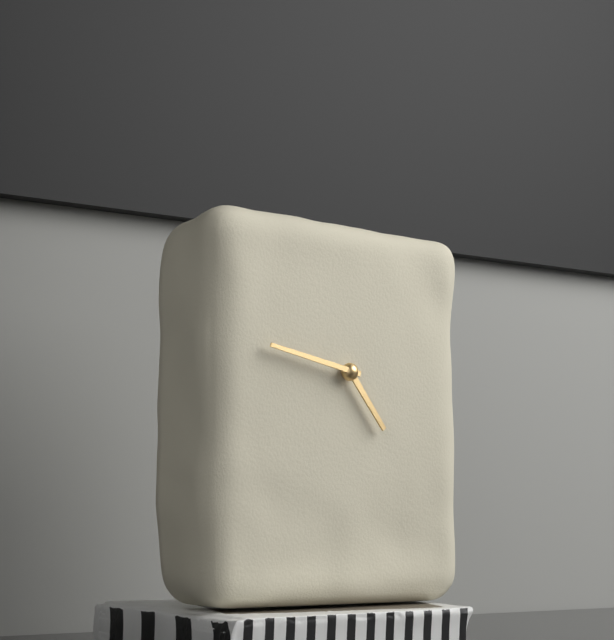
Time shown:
{"hour": 4, "minute": 47}
